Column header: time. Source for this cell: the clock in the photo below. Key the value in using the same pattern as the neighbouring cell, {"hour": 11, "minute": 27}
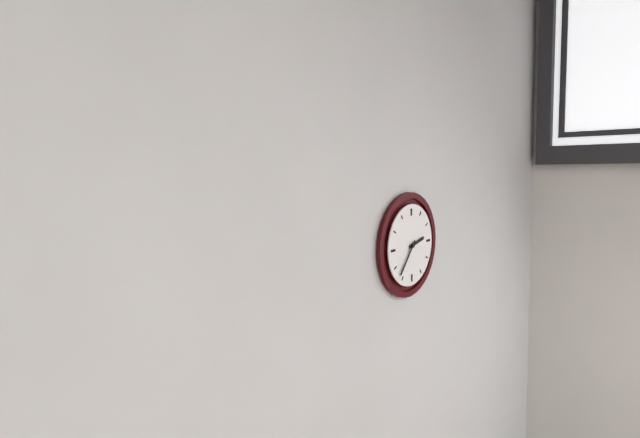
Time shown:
{"hour": 2, "minute": 37}
